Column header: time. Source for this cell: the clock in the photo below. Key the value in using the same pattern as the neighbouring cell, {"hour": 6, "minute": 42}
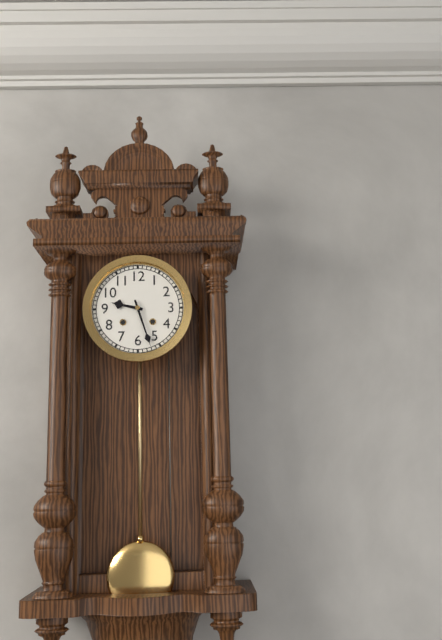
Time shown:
{"hour": 9, "minute": 27}
